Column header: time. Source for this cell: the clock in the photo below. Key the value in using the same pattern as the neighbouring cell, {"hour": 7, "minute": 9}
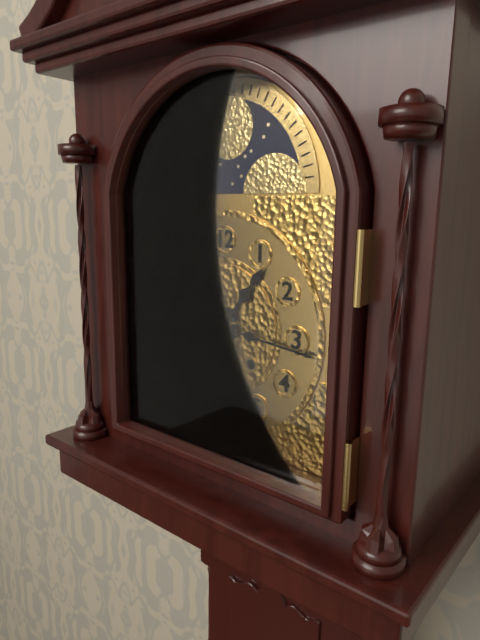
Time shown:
{"hour": 1, "minute": 16}
